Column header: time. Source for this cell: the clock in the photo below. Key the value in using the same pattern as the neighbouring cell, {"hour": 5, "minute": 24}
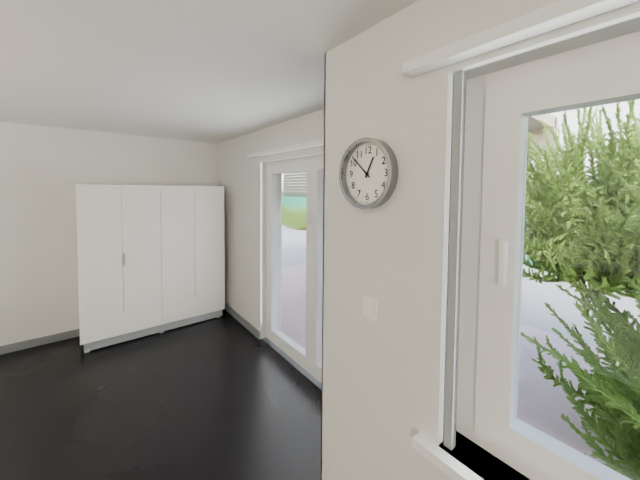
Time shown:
{"hour": 12, "minute": 52}
